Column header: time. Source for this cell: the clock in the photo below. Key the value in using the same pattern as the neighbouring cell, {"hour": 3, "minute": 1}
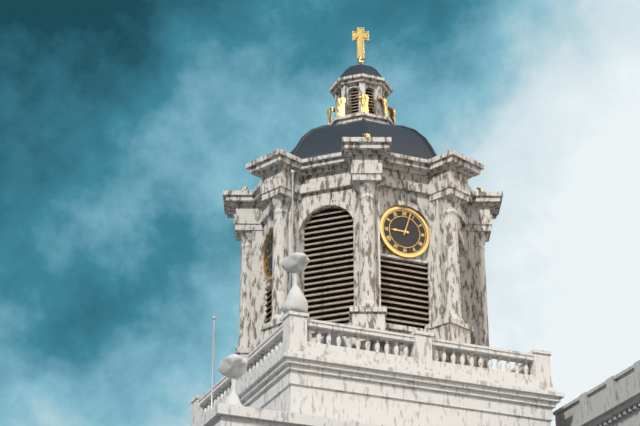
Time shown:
{"hour": 9, "minute": 3}
